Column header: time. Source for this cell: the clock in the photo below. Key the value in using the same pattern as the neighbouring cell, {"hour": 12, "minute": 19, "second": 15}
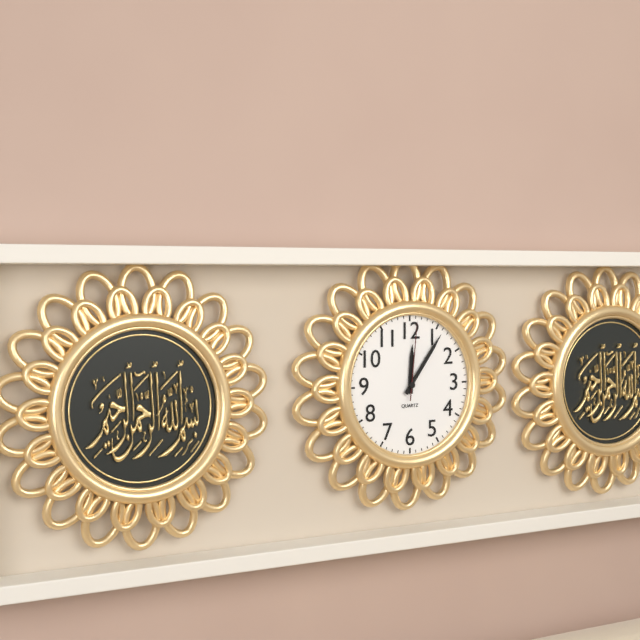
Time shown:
{"hour": 12, "minute": 6, "second": 1}
